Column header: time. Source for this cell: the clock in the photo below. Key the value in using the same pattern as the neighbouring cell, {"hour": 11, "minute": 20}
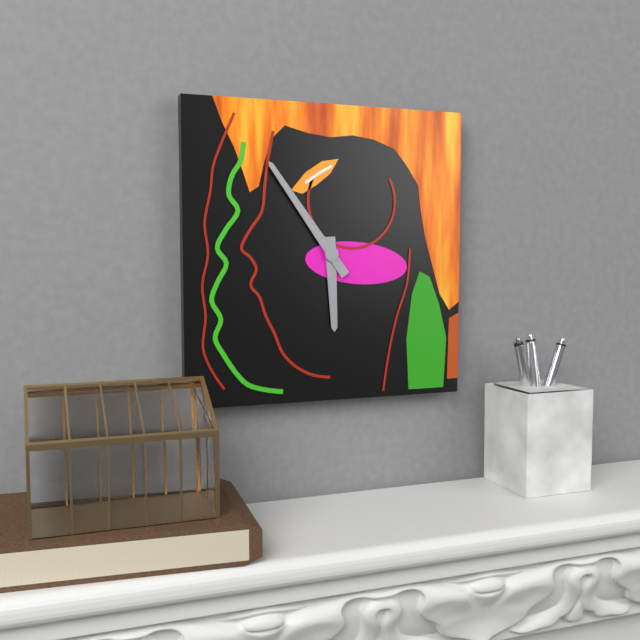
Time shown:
{"hour": 5, "minute": 54}
